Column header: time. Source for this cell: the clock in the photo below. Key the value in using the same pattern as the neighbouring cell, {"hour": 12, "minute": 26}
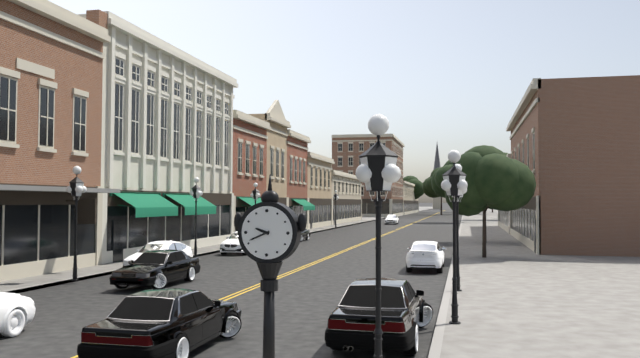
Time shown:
{"hour": 9, "minute": 41}
